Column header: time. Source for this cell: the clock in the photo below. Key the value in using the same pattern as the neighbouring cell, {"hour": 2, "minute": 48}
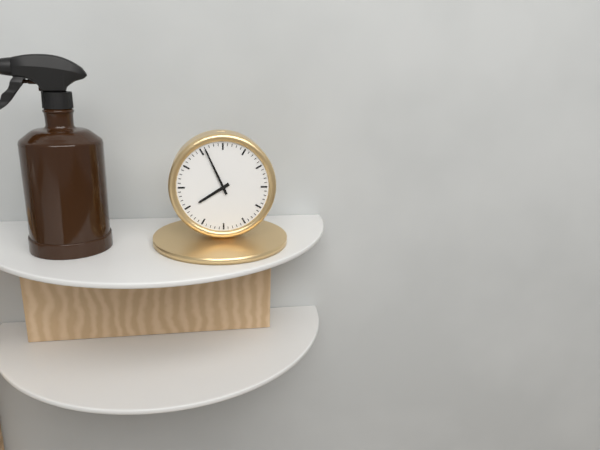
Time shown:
{"hour": 7, "minute": 56}
